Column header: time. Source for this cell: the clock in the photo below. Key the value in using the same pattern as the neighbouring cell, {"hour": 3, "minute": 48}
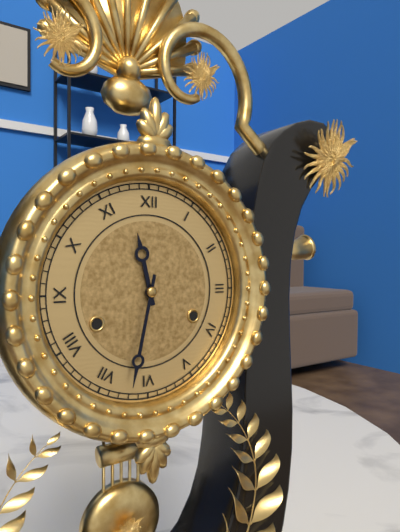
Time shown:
{"hour": 11, "minute": 32}
